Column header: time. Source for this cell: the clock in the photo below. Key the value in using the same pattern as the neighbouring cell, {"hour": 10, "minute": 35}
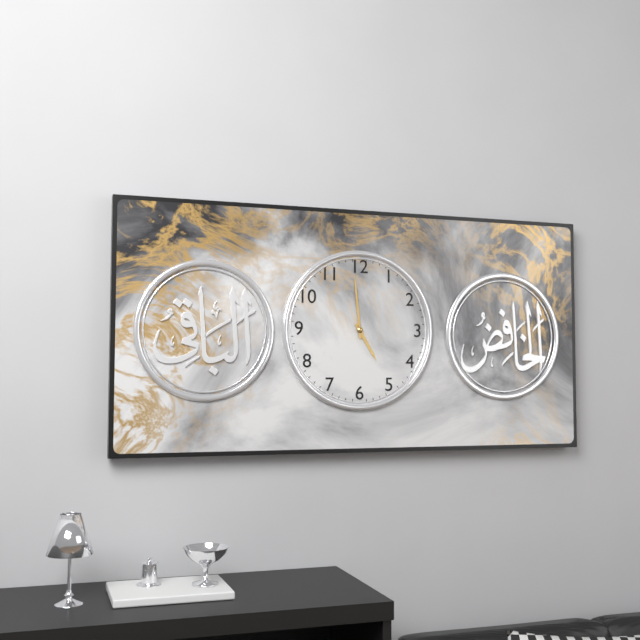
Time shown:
{"hour": 4, "minute": 59}
